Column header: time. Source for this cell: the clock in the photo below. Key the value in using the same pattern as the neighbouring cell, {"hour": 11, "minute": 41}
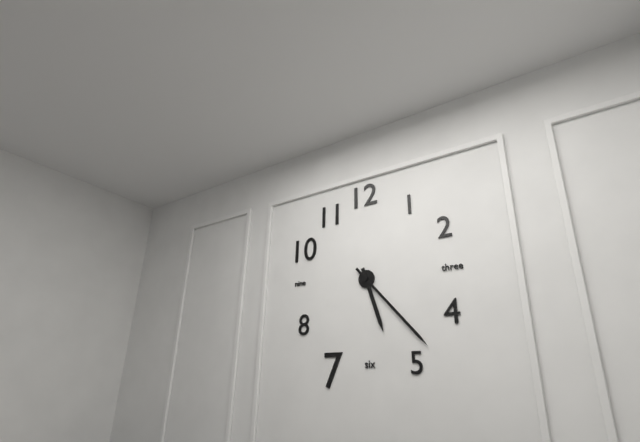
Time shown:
{"hour": 5, "minute": 23}
